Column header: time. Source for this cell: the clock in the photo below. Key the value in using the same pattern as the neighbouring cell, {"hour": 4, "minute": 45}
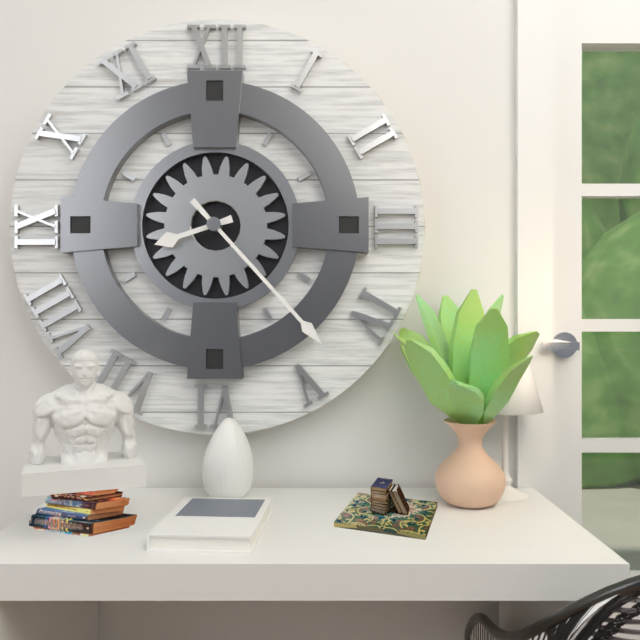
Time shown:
{"hour": 8, "minute": 23}
